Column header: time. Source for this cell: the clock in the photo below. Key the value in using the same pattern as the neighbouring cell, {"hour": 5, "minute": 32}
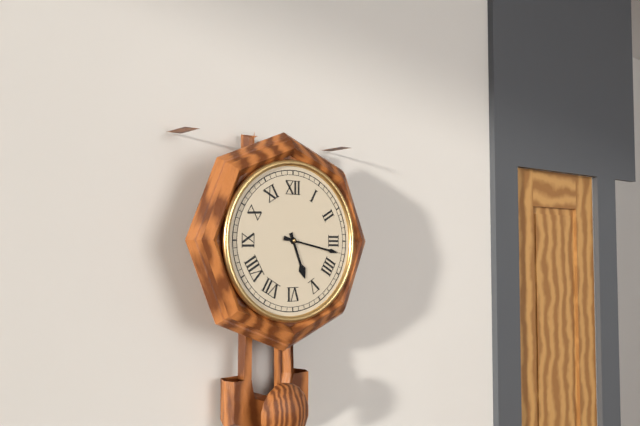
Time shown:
{"hour": 5, "minute": 17}
